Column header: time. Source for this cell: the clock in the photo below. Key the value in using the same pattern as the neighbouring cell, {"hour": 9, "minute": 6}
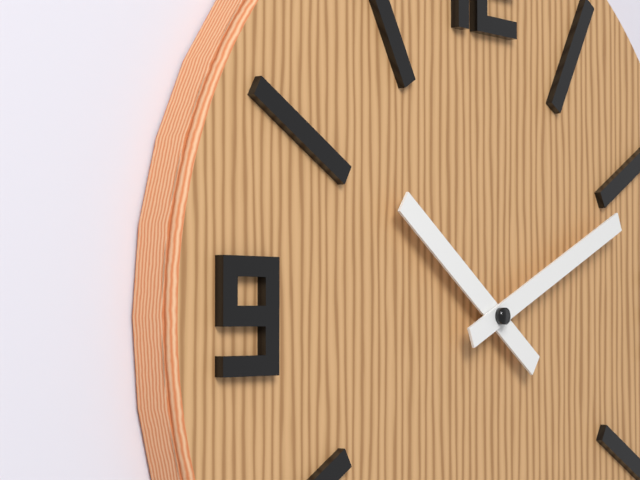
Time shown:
{"hour": 10, "minute": 11}
